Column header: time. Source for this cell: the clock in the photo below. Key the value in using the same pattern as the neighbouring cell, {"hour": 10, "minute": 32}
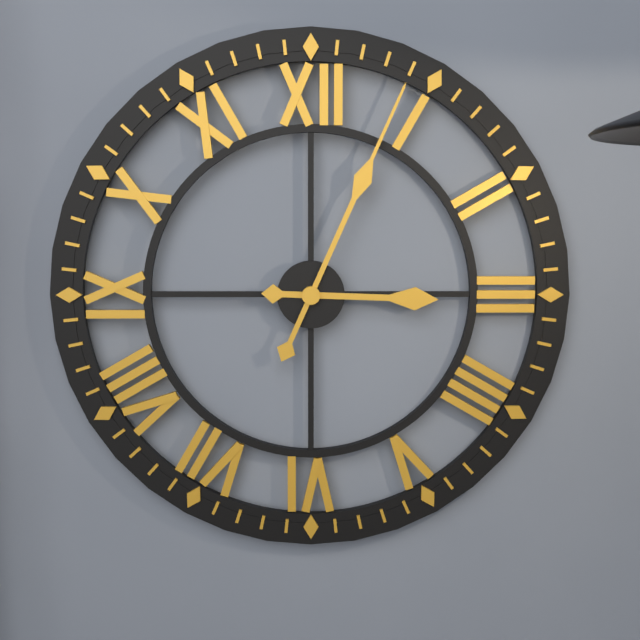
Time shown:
{"hour": 3, "minute": 4}
